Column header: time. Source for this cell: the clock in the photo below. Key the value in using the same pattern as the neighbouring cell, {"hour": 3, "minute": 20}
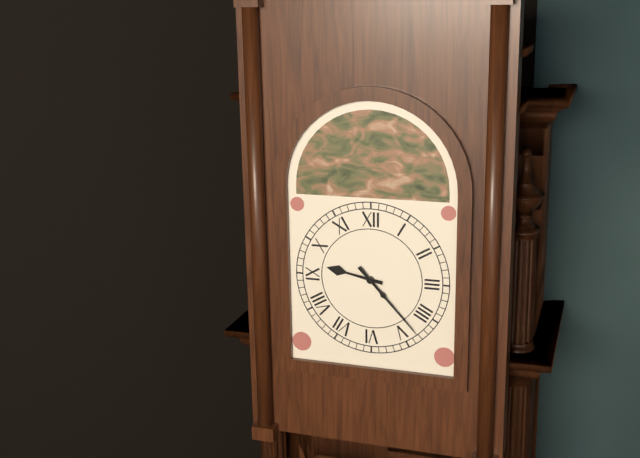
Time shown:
{"hour": 9, "minute": 23}
